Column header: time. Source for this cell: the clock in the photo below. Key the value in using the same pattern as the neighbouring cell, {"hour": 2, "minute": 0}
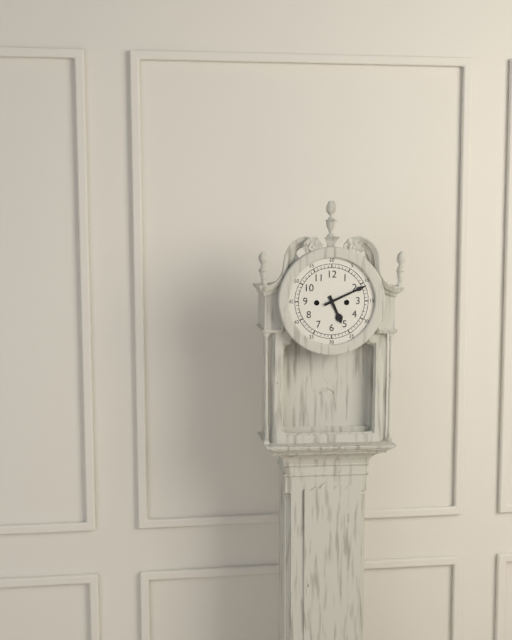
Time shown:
{"hour": 5, "minute": 11}
